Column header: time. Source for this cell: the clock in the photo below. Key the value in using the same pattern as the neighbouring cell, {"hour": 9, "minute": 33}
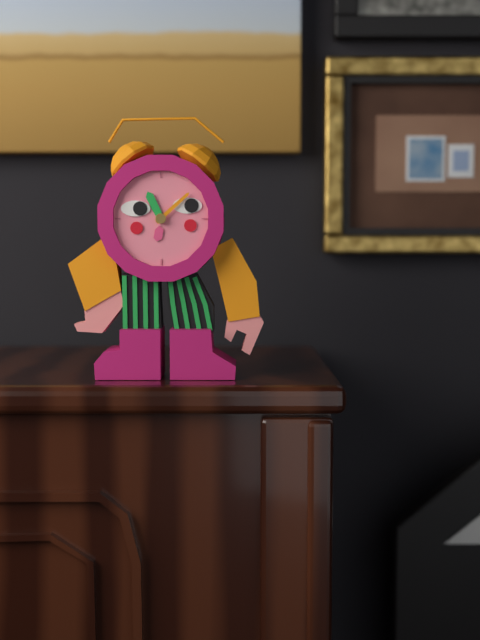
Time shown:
{"hour": 11, "minute": 8}
